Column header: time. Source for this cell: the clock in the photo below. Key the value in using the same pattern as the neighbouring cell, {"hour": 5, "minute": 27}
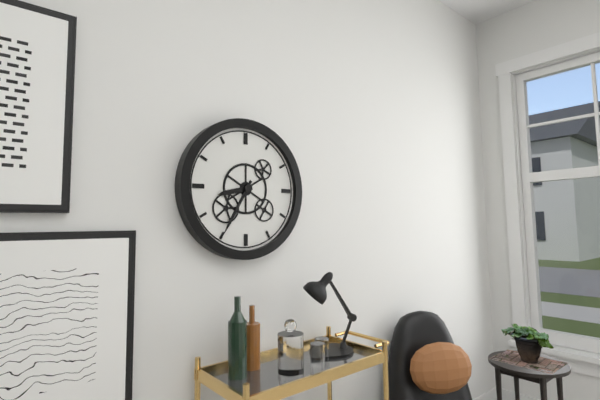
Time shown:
{"hour": 8, "minute": 35}
